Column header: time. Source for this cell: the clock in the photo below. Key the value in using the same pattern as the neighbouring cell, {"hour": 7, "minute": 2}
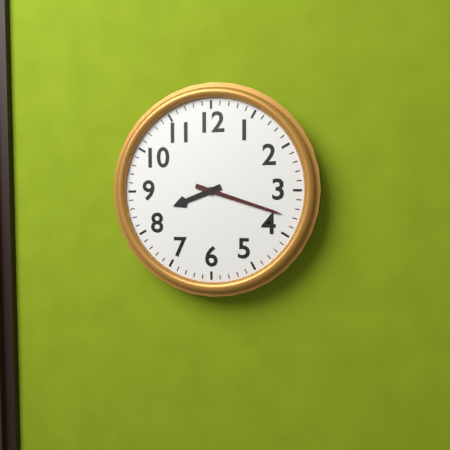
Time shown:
{"hour": 8, "minute": 18}
